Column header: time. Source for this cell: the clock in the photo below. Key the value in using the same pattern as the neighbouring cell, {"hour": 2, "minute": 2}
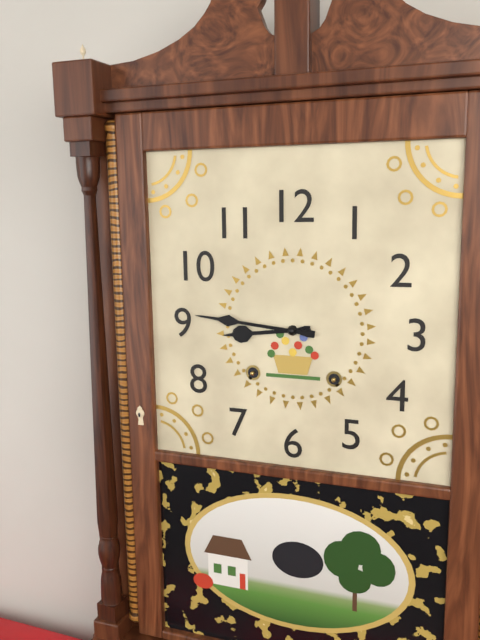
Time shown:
{"hour": 8, "minute": 46}
